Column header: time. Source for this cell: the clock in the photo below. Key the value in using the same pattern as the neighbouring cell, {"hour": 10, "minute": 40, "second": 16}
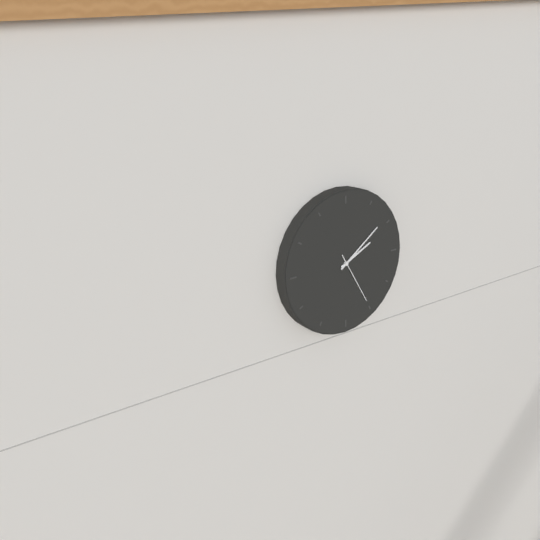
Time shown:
{"hour": 2, "minute": 9, "second": 25}
